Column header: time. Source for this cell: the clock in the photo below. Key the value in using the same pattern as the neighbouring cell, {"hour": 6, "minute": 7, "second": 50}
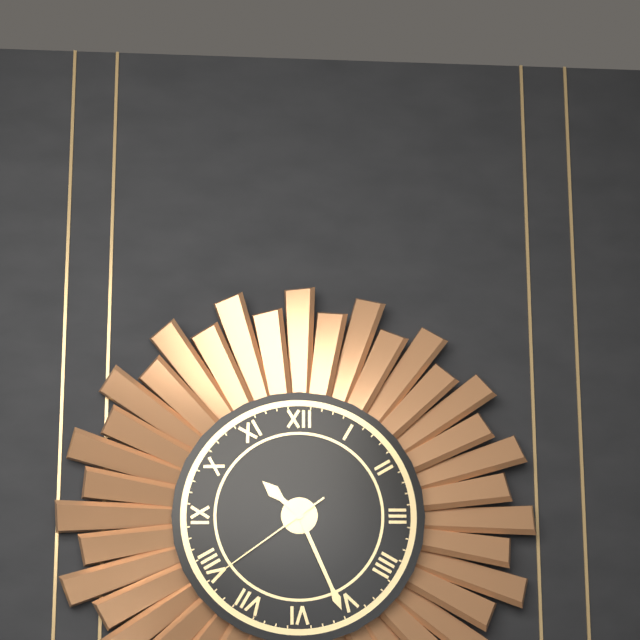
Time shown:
{"hour": 10, "minute": 26, "second": 39}
